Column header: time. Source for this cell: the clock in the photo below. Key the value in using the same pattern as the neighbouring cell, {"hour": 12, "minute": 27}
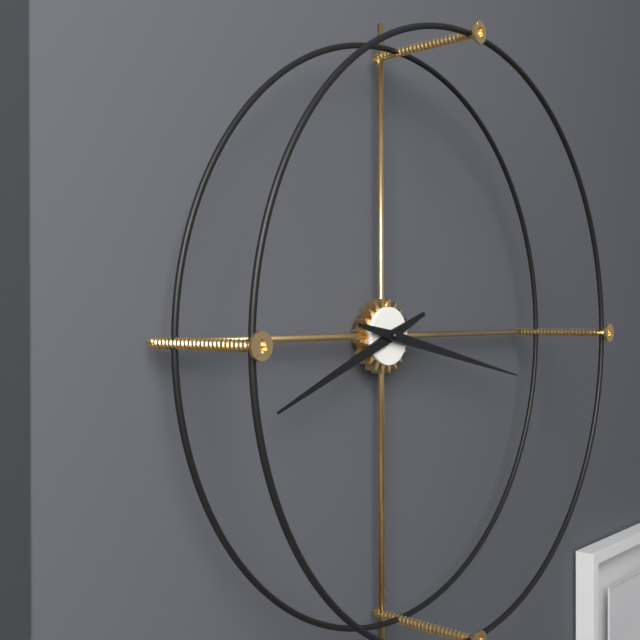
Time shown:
{"hour": 8, "minute": 17}
